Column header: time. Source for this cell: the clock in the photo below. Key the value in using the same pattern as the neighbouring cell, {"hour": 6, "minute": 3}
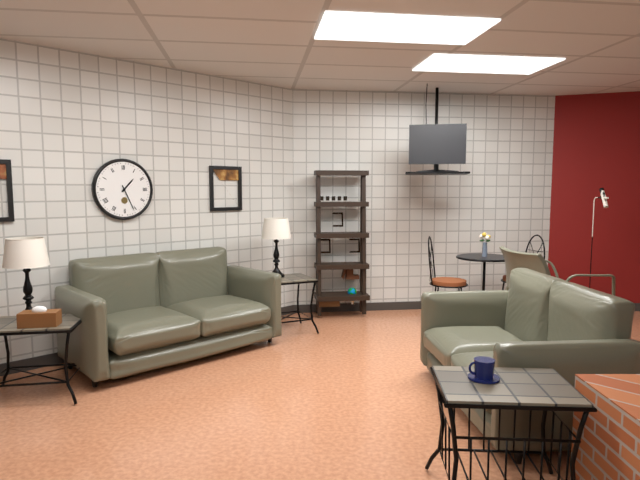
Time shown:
{"hour": 1, "minute": 26}
